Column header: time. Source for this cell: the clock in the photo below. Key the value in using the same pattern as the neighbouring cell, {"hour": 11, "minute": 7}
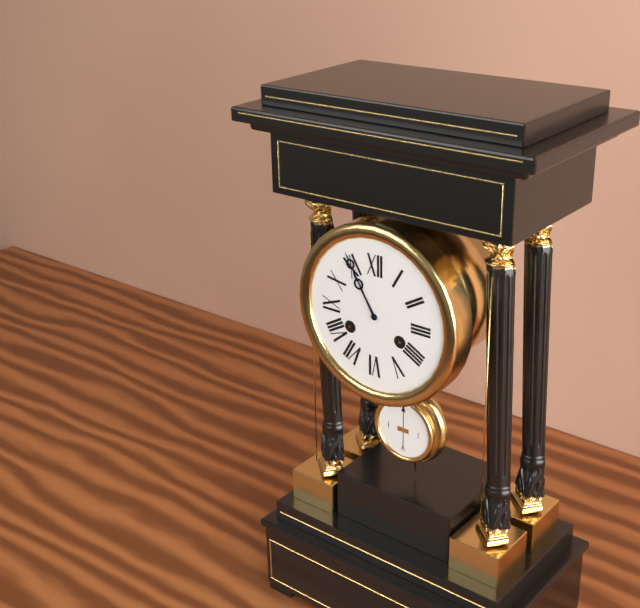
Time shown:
{"hour": 10, "minute": 55}
